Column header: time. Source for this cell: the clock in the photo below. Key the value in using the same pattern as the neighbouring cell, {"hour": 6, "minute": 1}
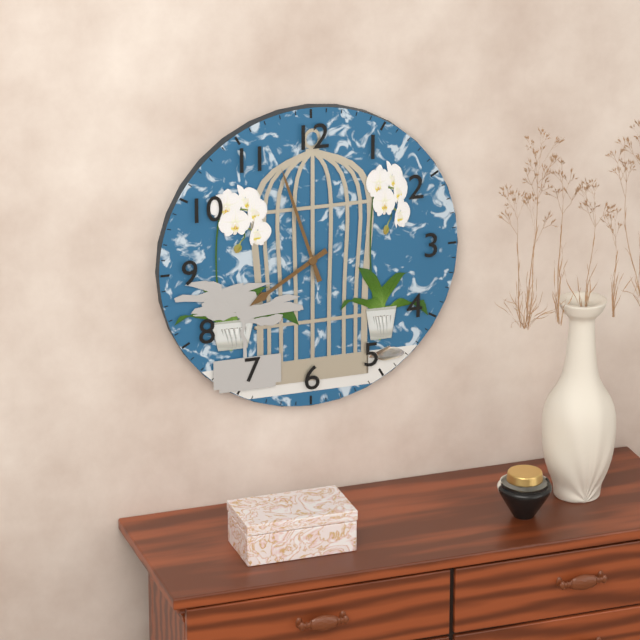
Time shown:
{"hour": 7, "minute": 57}
